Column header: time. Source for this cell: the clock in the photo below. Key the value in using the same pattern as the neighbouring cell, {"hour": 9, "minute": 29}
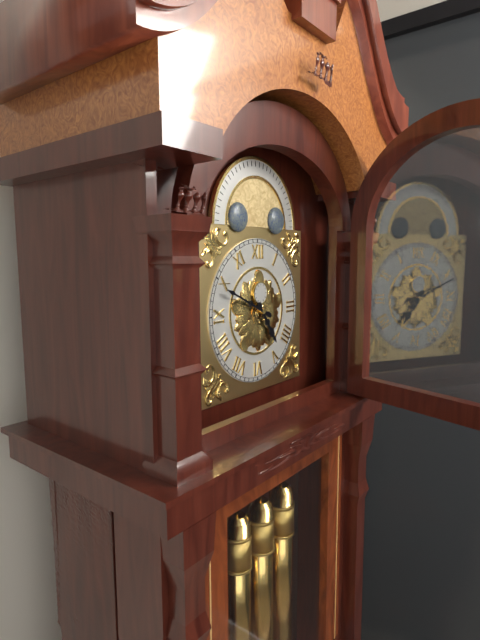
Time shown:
{"hour": 4, "minute": 49}
